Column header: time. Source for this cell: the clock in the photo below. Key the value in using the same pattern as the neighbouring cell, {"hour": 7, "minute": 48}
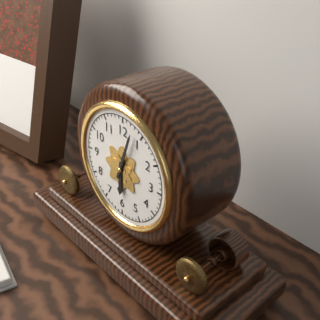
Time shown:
{"hour": 6, "minute": 3}
